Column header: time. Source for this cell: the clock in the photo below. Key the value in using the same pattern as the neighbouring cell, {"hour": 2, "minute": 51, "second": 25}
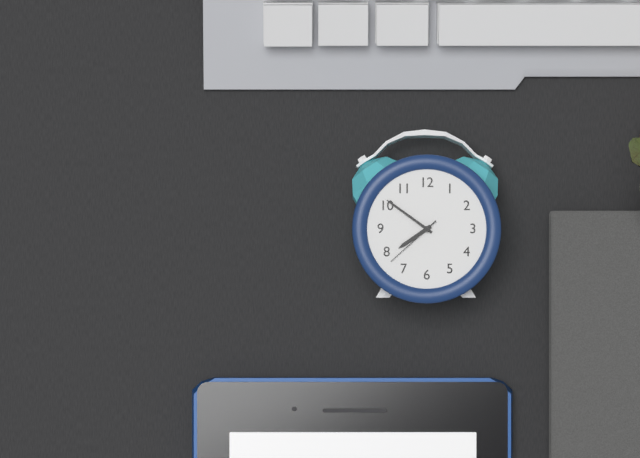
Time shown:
{"hour": 7, "minute": 51, "second": 38}
